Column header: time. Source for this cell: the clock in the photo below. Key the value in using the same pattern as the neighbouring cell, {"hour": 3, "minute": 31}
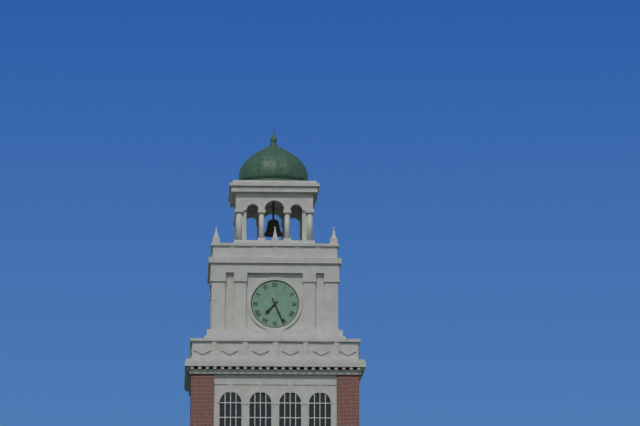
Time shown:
{"hour": 7, "minute": 26}
